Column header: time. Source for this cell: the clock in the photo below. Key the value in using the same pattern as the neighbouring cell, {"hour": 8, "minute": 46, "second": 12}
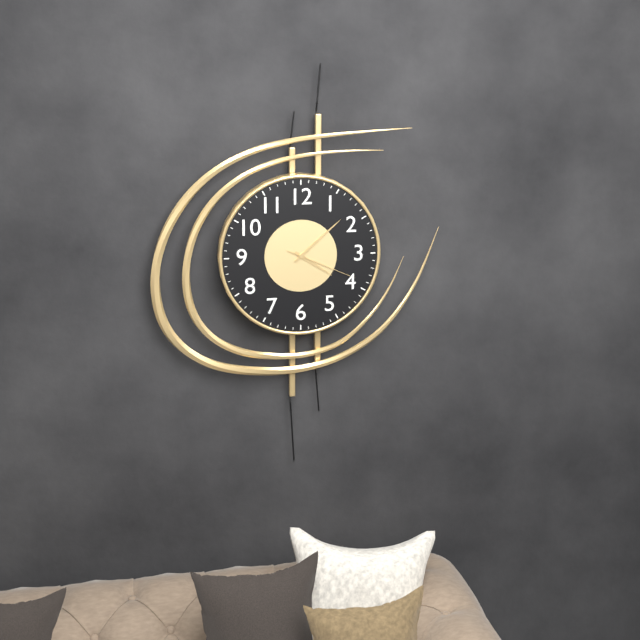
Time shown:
{"hour": 4, "minute": 8, "second": 19}
